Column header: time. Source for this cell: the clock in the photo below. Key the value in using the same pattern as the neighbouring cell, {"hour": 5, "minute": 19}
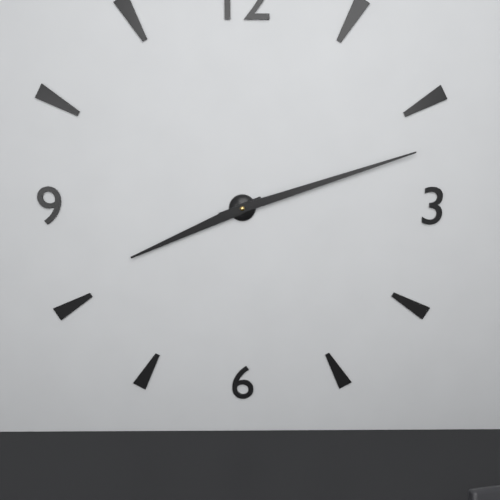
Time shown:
{"hour": 8, "minute": 12}
